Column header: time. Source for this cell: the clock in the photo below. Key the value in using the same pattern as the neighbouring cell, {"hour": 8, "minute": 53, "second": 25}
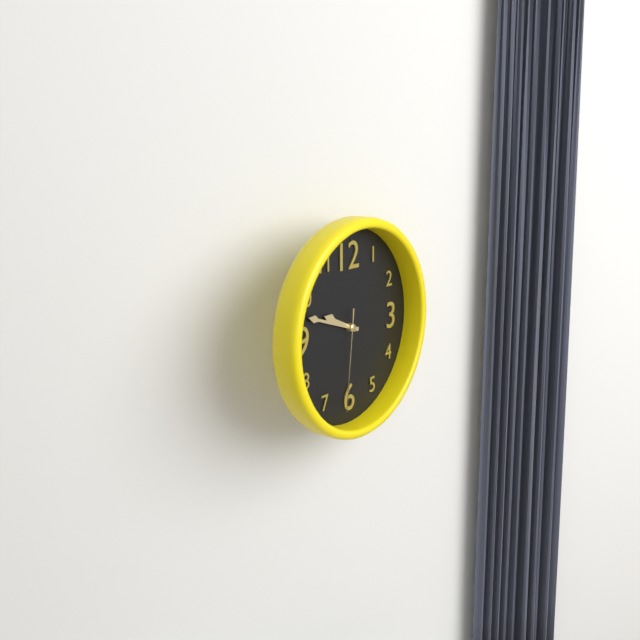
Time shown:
{"hour": 9, "minute": 48, "second": 31}
